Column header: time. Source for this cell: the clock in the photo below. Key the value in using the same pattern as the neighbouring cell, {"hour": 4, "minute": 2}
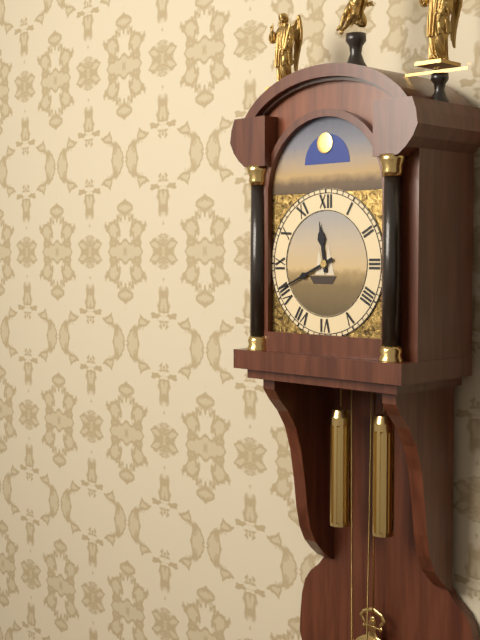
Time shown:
{"hour": 11, "minute": 41}
